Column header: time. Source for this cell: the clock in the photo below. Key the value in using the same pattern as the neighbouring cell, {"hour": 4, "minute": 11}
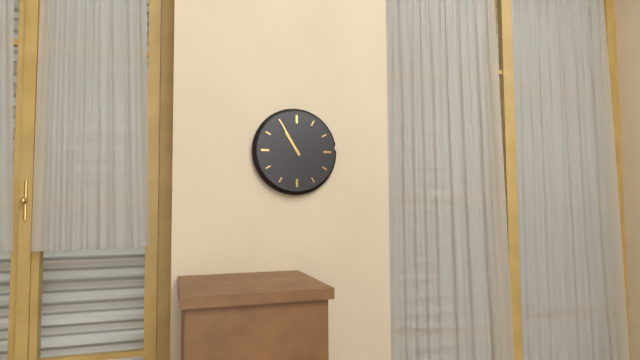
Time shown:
{"hour": 10, "minute": 55}
